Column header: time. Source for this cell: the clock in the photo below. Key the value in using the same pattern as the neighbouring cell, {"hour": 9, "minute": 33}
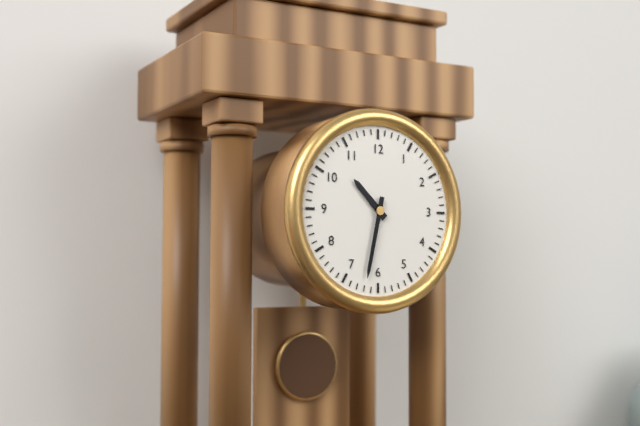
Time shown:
{"hour": 10, "minute": 32}
